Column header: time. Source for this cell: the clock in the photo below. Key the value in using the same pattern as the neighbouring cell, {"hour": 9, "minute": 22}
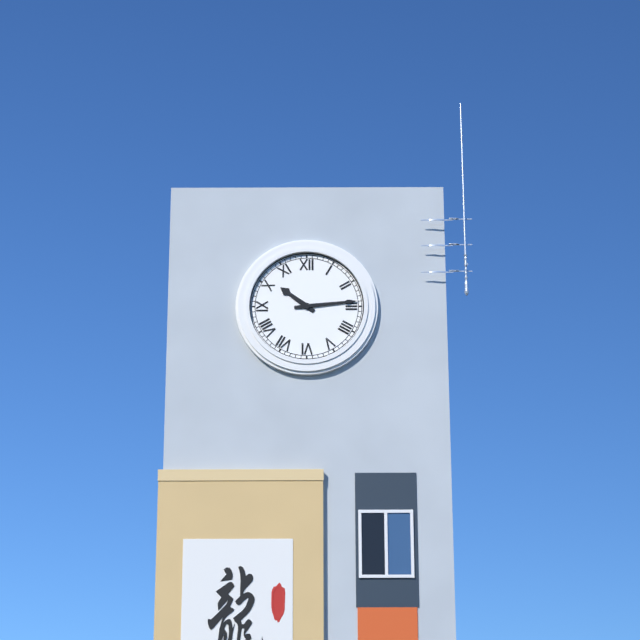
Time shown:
{"hour": 10, "minute": 14}
